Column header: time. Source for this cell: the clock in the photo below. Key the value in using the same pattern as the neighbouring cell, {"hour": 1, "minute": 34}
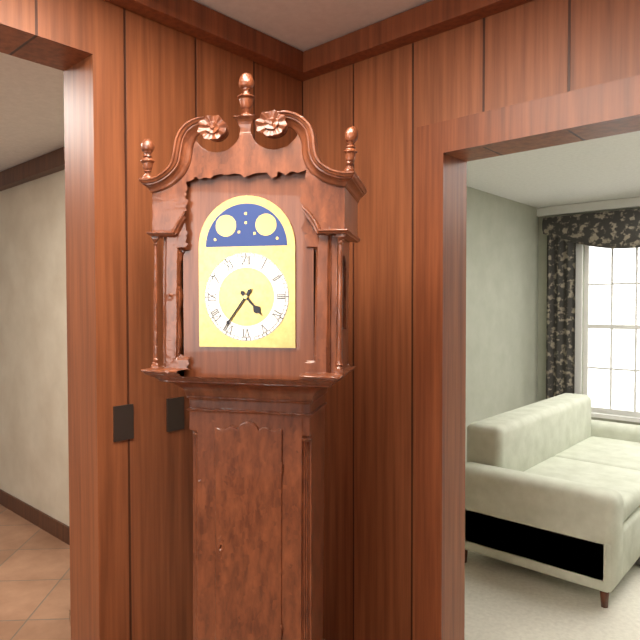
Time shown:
{"hour": 4, "minute": 36}
